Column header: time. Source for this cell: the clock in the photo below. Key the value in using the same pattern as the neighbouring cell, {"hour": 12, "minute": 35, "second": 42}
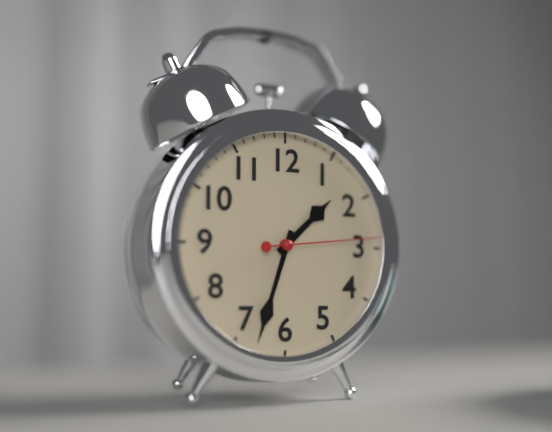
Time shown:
{"hour": 1, "minute": 33, "second": 14}
